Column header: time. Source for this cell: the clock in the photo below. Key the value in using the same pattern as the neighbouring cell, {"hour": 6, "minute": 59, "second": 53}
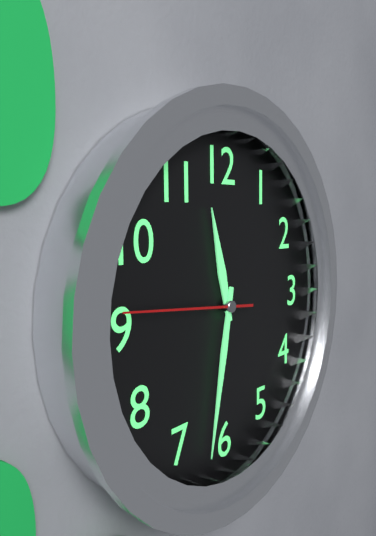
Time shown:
{"hour": 11, "minute": 32, "second": 46}
